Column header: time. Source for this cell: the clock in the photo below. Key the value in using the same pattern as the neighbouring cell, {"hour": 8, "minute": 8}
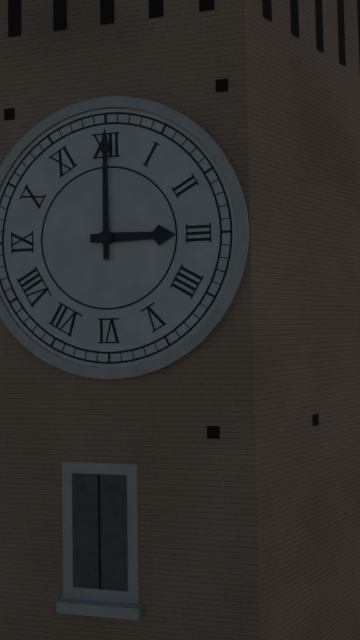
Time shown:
{"hour": 3, "minute": 0}
